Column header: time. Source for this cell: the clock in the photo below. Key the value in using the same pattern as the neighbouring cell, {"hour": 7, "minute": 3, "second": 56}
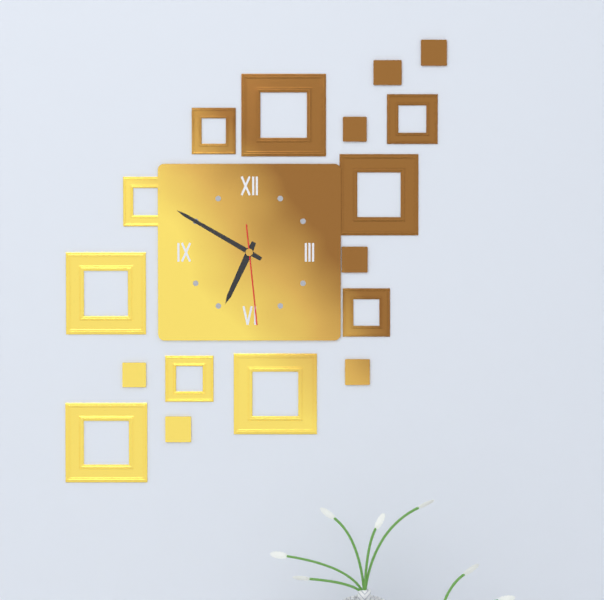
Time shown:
{"hour": 6, "minute": 50, "second": 29}
